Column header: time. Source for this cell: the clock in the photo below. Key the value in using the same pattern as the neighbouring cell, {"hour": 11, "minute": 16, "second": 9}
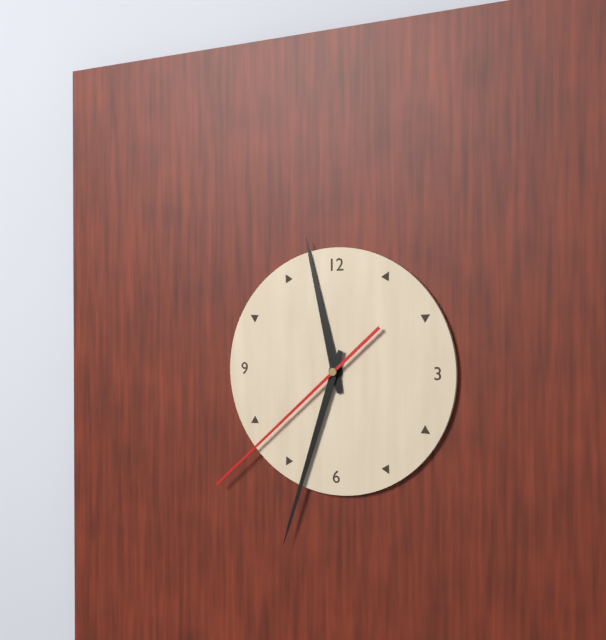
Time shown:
{"hour": 11, "minute": 33, "second": 38}
